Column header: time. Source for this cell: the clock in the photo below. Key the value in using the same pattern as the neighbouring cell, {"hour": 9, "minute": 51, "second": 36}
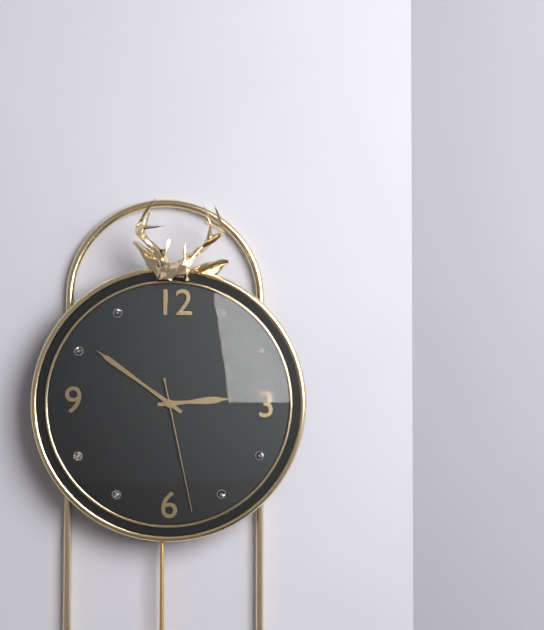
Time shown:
{"hour": 2, "minute": 51, "second": 28}
